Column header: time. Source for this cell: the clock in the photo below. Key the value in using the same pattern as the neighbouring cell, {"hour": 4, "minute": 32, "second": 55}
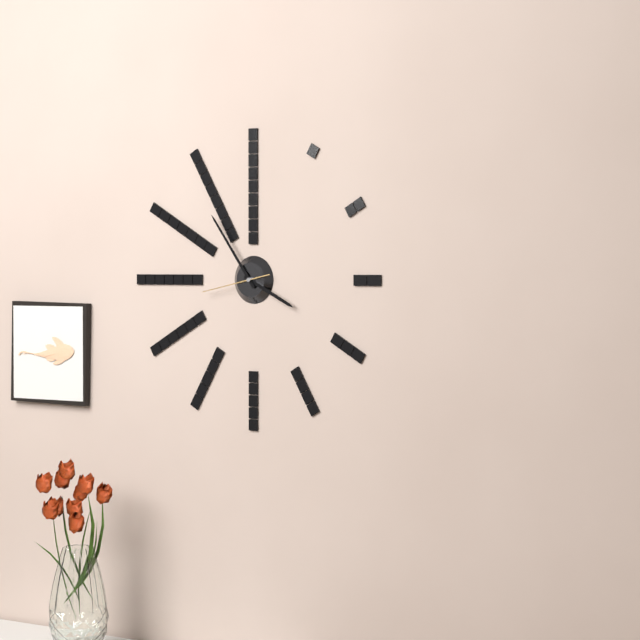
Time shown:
{"hour": 3, "minute": 54, "second": 43}
